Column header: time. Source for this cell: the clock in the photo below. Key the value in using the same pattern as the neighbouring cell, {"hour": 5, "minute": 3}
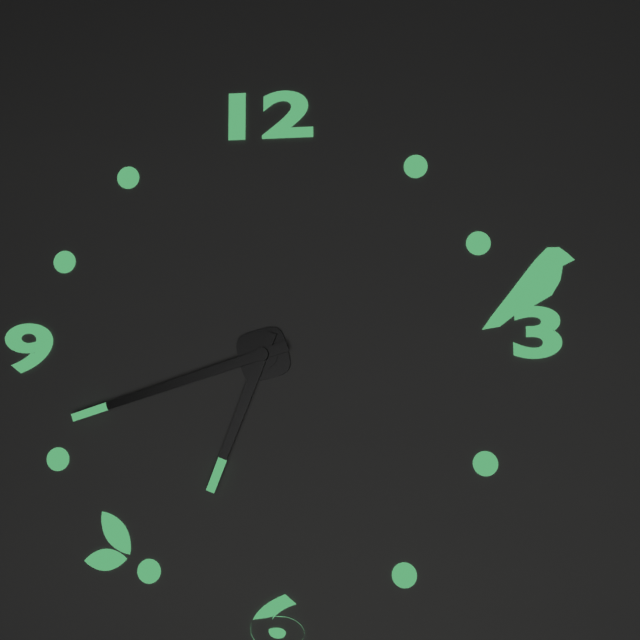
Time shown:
{"hour": 6, "minute": 42}
